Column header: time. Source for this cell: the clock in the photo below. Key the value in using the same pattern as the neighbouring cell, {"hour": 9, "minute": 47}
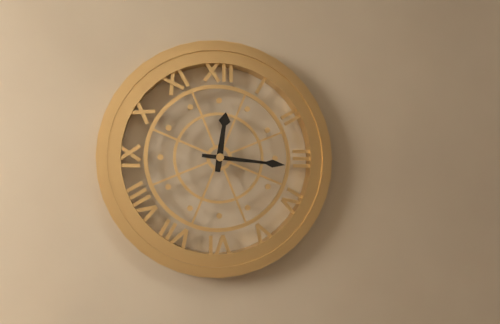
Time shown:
{"hour": 12, "minute": 16}
